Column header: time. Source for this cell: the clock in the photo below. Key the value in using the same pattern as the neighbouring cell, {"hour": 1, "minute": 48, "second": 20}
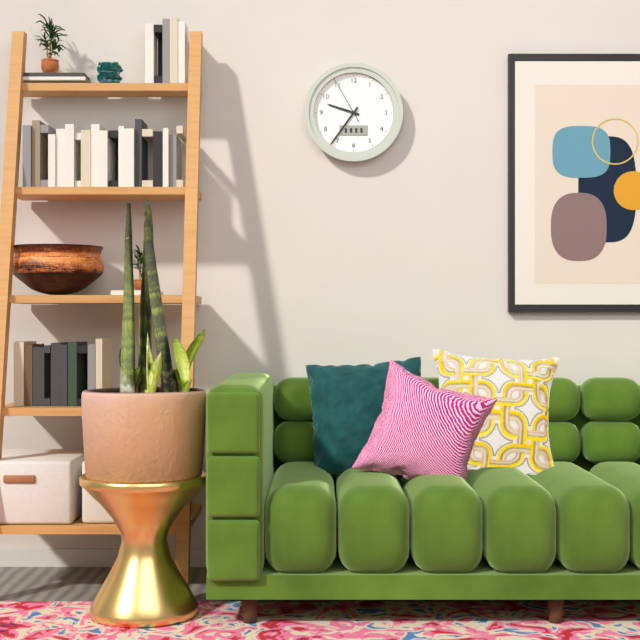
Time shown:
{"hour": 9, "minute": 36, "second": 55}
